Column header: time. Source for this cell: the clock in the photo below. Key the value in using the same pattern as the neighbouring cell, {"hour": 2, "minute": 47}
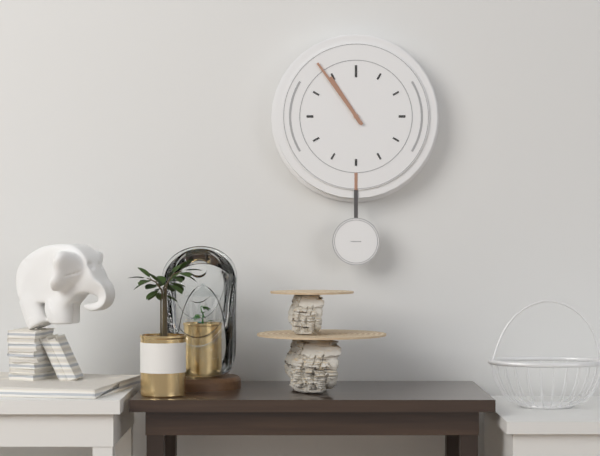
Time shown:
{"hour": 10, "minute": 54}
